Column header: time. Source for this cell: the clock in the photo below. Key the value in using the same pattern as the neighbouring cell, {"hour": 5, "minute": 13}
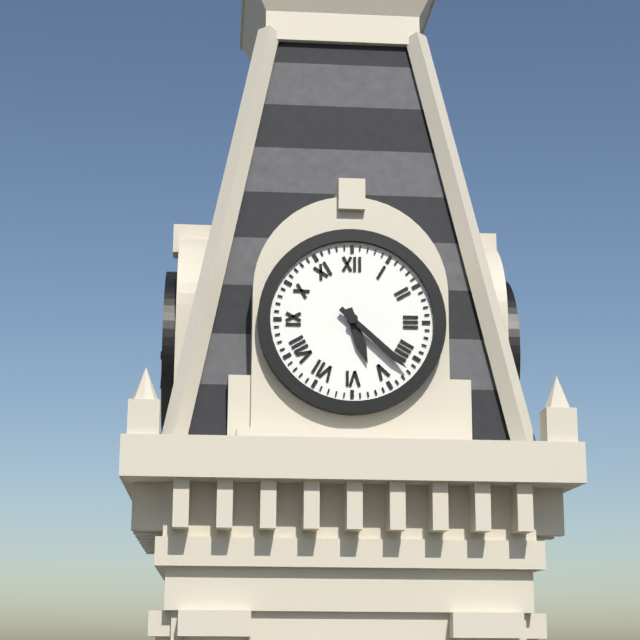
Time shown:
{"hour": 5, "minute": 22}
